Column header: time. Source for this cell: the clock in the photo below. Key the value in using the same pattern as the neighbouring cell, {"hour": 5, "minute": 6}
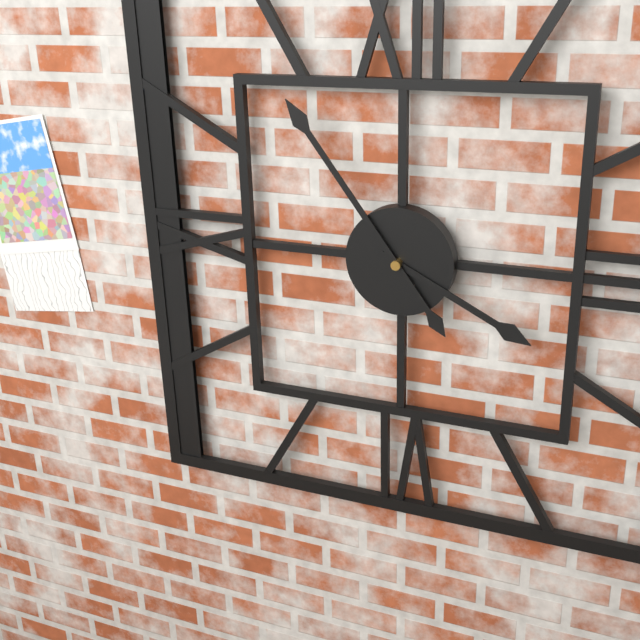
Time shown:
{"hour": 3, "minute": 54}
